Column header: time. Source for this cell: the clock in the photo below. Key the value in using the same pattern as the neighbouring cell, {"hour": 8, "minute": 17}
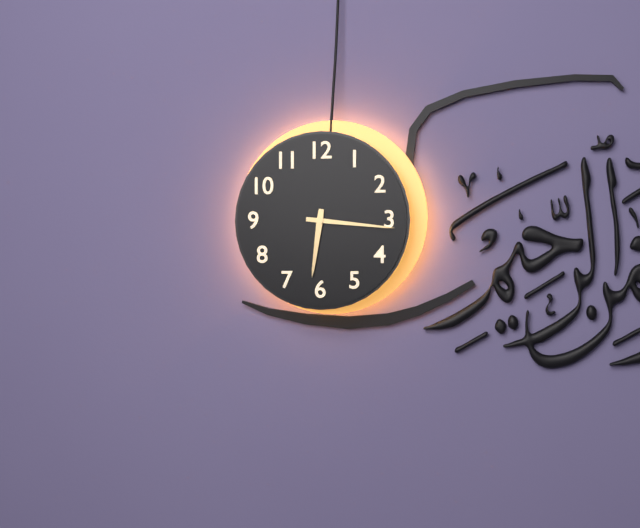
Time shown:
{"hour": 6, "minute": 16}
